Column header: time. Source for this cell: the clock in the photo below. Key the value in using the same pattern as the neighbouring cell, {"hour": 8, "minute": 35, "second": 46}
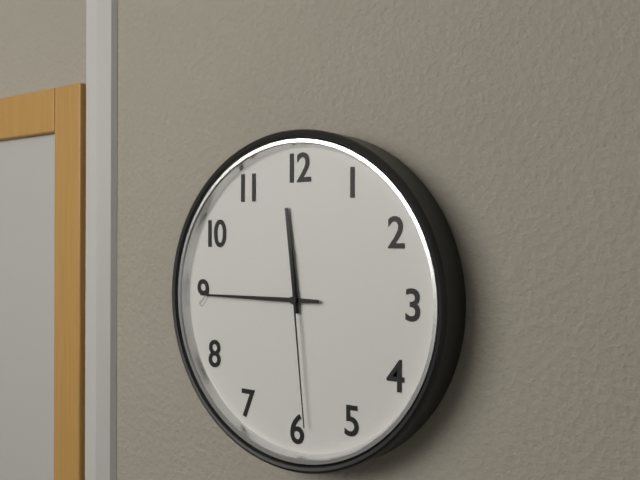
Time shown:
{"hour": 11, "minute": 45, "second": 29}
